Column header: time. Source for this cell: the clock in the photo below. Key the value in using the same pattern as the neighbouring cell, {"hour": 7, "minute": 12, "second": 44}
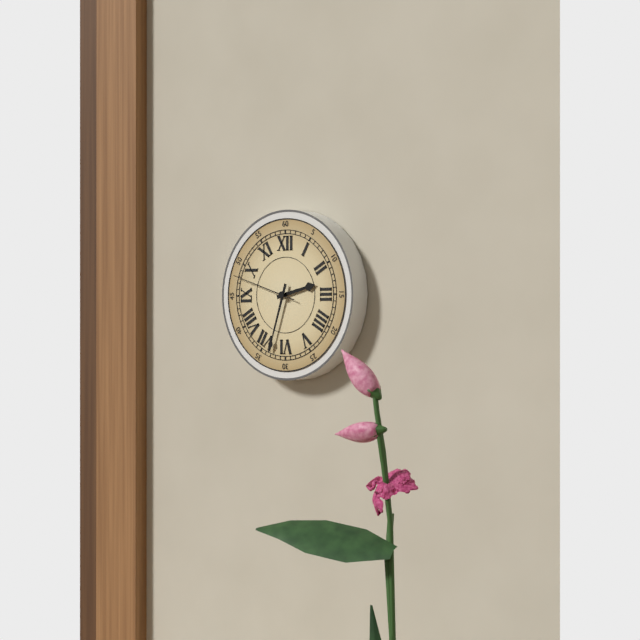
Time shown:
{"hour": 2, "minute": 33, "second": 48}
